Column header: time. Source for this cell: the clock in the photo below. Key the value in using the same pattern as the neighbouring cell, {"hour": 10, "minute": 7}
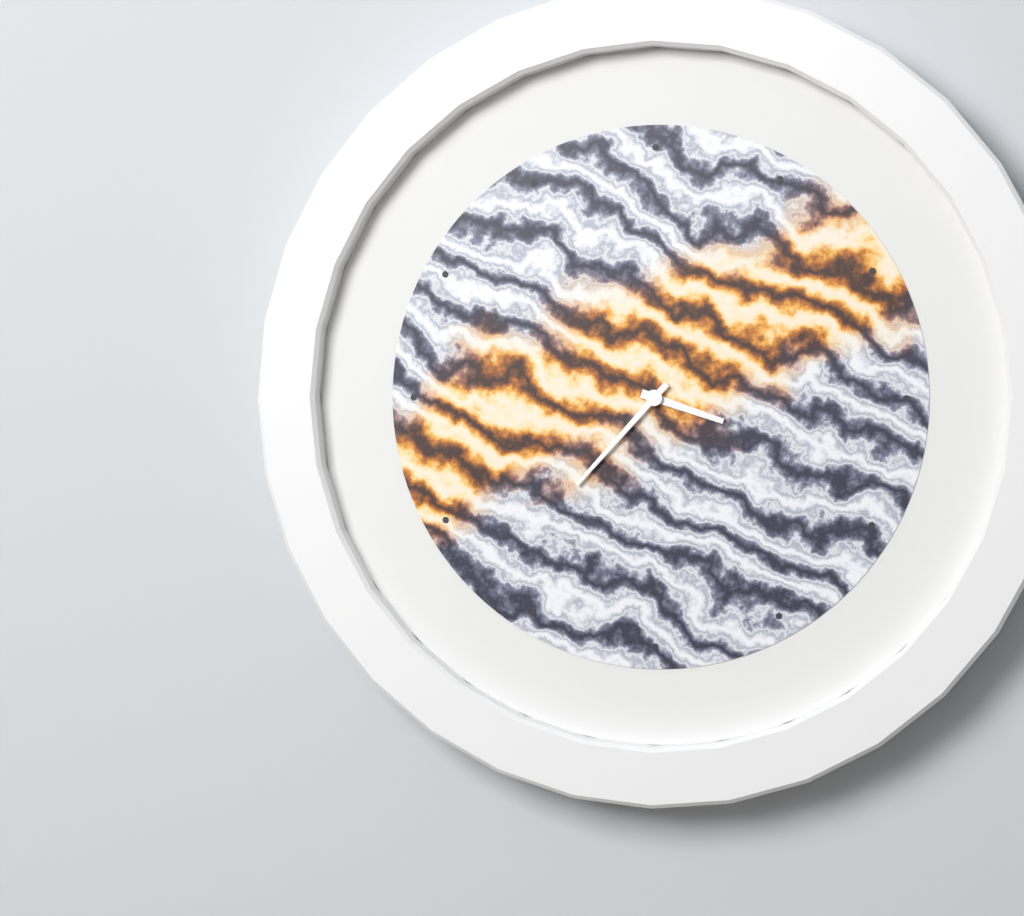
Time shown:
{"hour": 3, "minute": 37}
